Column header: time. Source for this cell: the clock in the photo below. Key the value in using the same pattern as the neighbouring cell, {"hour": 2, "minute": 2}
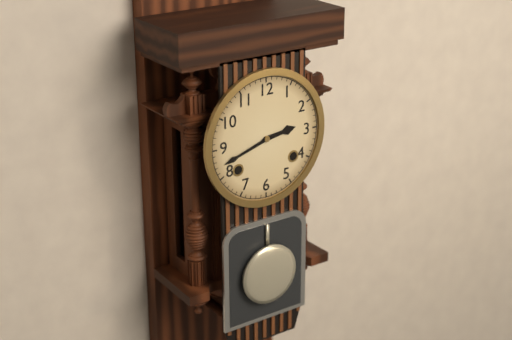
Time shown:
{"hour": 2, "minute": 42}
